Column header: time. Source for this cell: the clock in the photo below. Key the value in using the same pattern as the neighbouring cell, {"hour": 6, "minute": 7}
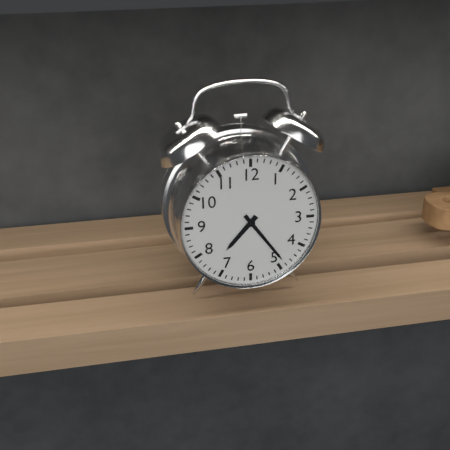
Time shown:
{"hour": 7, "minute": 24}
